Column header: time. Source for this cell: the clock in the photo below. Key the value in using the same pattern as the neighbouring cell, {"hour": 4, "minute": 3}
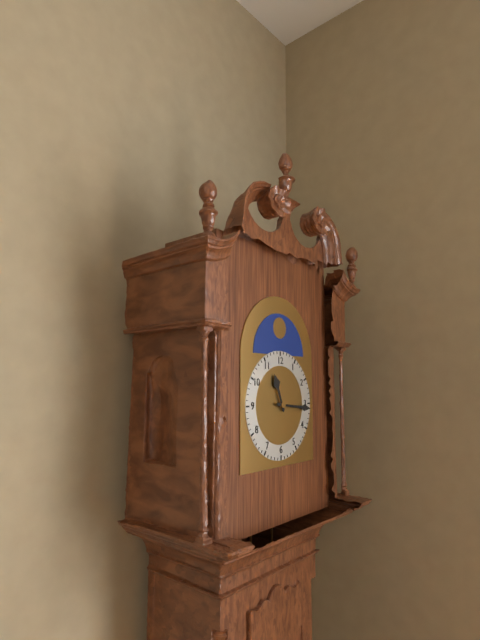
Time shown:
{"hour": 11, "minute": 16}
